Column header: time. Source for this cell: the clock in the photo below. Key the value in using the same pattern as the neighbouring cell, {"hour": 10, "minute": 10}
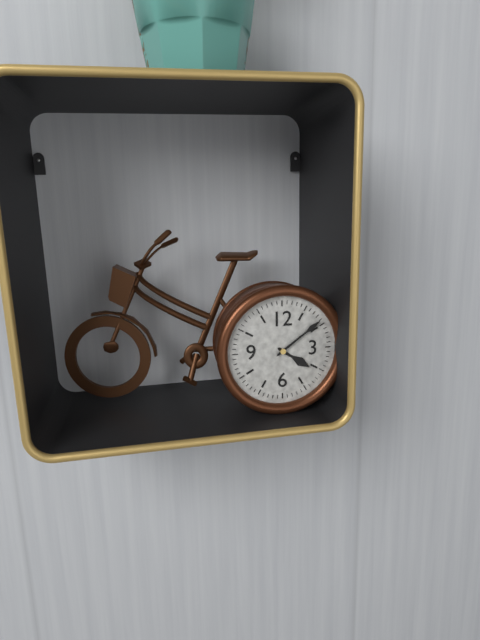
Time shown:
{"hour": 4, "minute": 9}
